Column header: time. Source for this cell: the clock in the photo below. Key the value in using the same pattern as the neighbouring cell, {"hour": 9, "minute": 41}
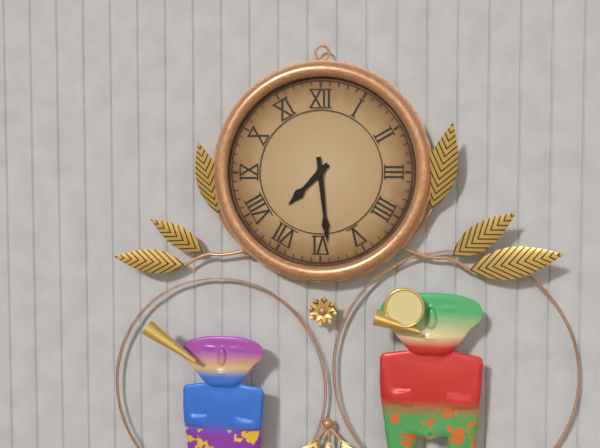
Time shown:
{"hour": 7, "minute": 29}
